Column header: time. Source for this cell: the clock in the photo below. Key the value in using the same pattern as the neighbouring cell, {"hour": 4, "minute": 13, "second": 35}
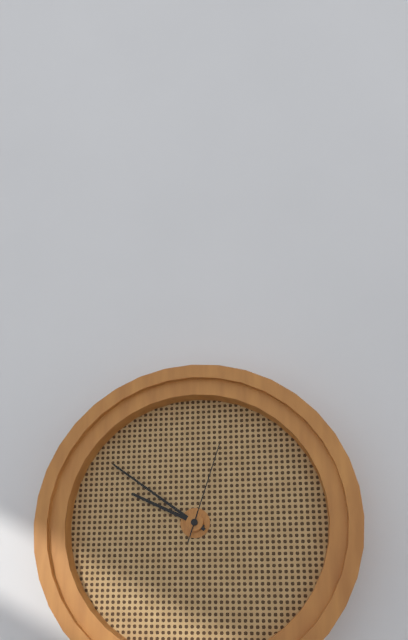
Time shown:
{"hour": 9, "minute": 51, "second": 3}
